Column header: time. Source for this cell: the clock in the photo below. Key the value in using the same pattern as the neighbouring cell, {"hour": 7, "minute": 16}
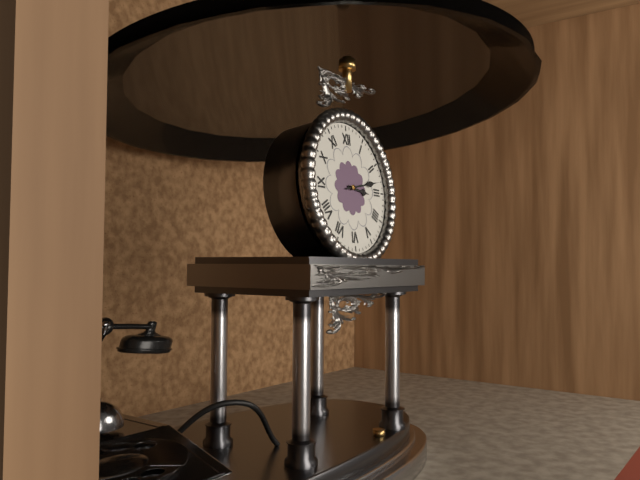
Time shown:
{"hour": 3, "minute": 13}
